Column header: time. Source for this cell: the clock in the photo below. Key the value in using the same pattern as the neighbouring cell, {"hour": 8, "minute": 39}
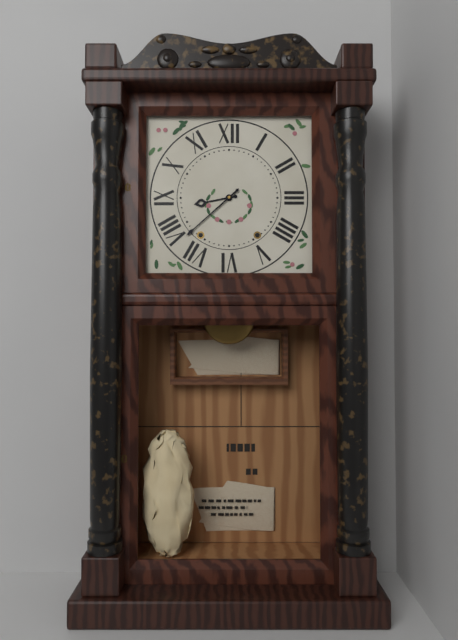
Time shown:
{"hour": 8, "minute": 38}
